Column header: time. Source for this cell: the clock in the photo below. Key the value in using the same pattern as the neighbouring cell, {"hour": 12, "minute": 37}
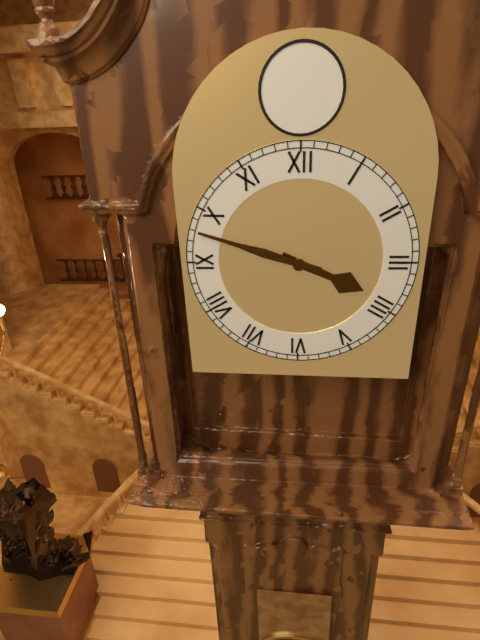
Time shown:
{"hour": 3, "minute": 48}
